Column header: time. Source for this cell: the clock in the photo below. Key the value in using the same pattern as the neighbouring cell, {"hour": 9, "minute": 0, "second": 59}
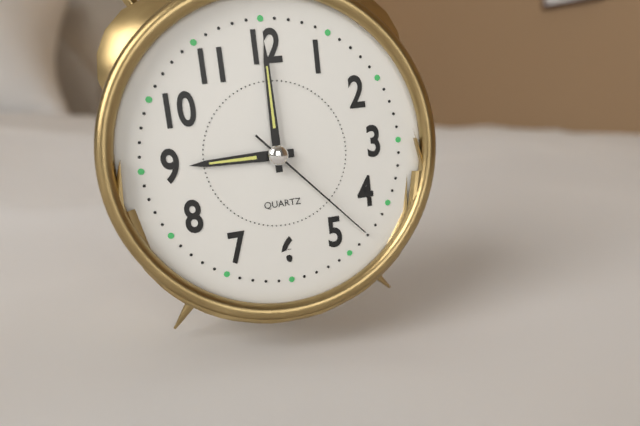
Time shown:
{"hour": 9, "minute": 0, "second": 23}
